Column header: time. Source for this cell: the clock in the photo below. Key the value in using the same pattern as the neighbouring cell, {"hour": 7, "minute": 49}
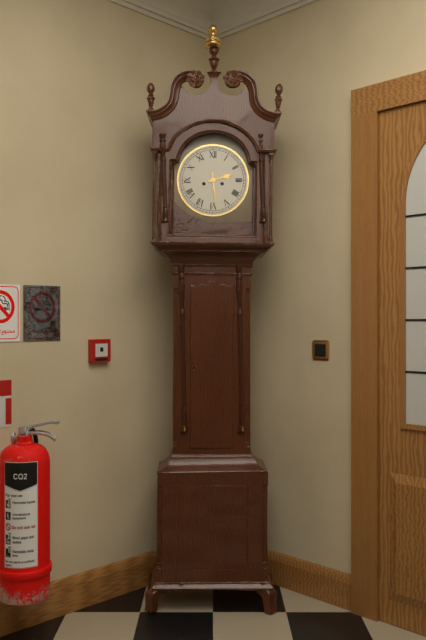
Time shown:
{"hour": 2, "minute": 29}
